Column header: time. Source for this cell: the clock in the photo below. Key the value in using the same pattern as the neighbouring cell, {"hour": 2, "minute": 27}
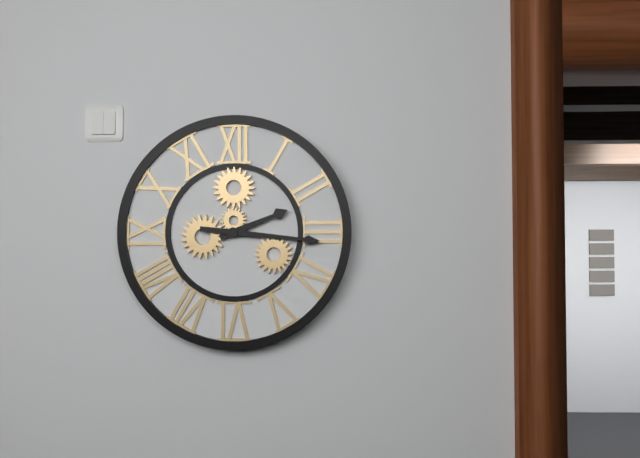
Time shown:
{"hour": 2, "minute": 16}
